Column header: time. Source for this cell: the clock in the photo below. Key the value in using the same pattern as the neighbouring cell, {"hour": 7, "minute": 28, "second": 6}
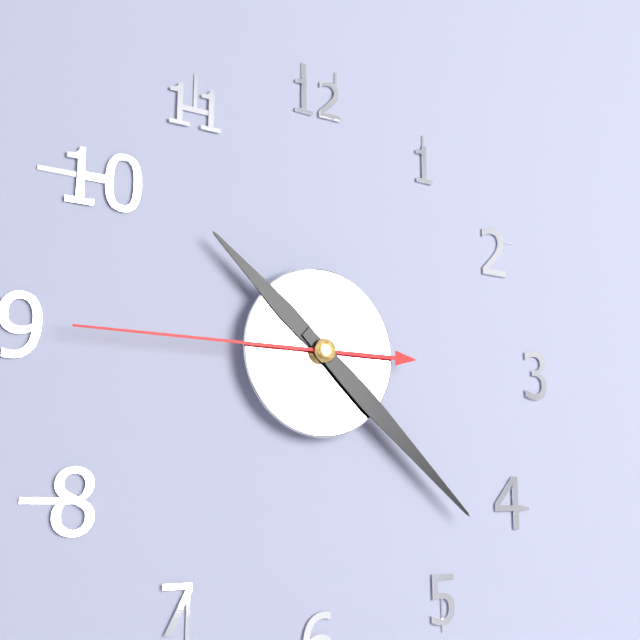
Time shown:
{"hour": 10, "minute": 22, "second": 45}
